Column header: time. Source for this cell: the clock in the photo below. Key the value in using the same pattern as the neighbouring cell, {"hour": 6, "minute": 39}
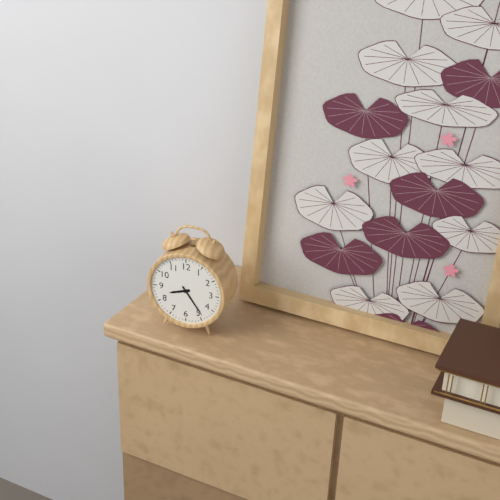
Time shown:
{"hour": 8, "minute": 24}
